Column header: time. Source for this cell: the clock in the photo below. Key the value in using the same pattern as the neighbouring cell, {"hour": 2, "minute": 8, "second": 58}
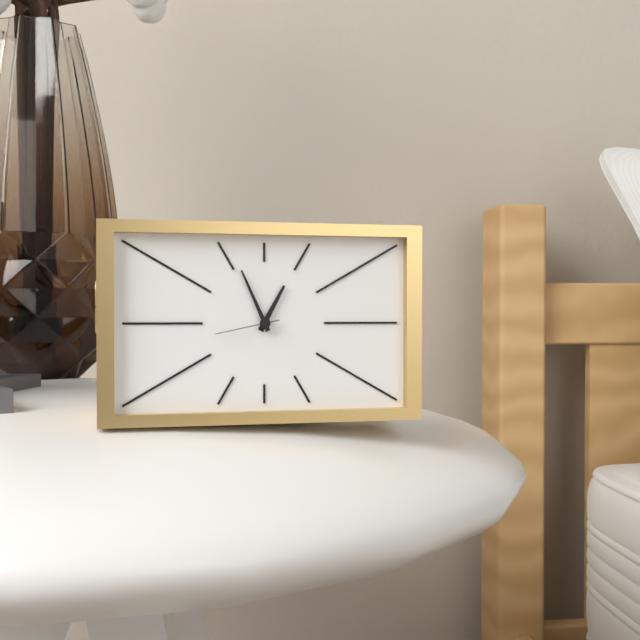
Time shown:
{"hour": 12, "minute": 56, "second": 43}
